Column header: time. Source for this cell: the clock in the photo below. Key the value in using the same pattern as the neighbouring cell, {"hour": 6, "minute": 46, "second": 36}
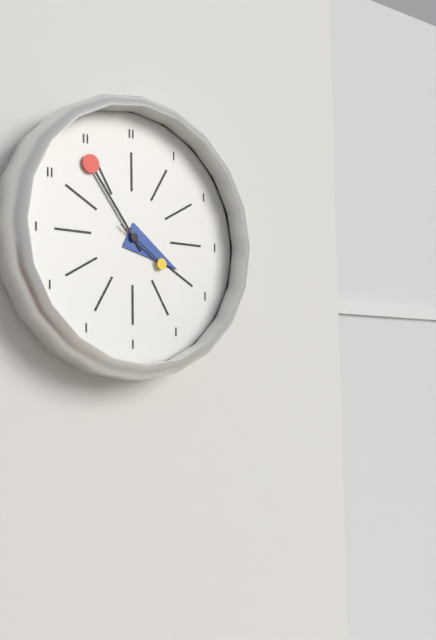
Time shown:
{"hour": 3, "minute": 54, "second": 21}
